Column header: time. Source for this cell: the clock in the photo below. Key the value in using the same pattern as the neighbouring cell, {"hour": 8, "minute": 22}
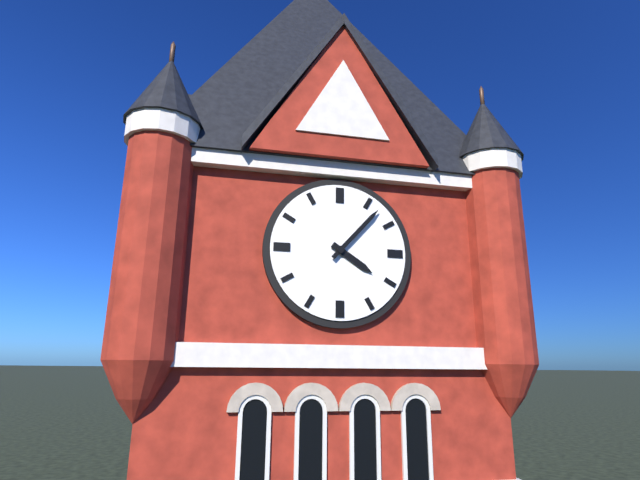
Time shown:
{"hour": 4, "minute": 7}
